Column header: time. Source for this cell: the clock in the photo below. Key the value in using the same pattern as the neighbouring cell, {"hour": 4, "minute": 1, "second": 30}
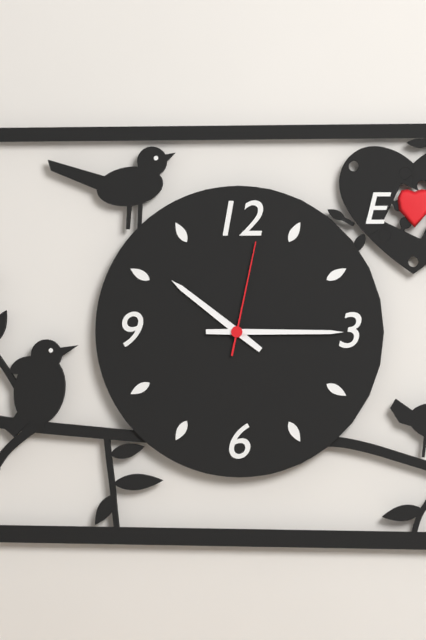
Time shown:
{"hour": 10, "minute": 15, "second": 2}
